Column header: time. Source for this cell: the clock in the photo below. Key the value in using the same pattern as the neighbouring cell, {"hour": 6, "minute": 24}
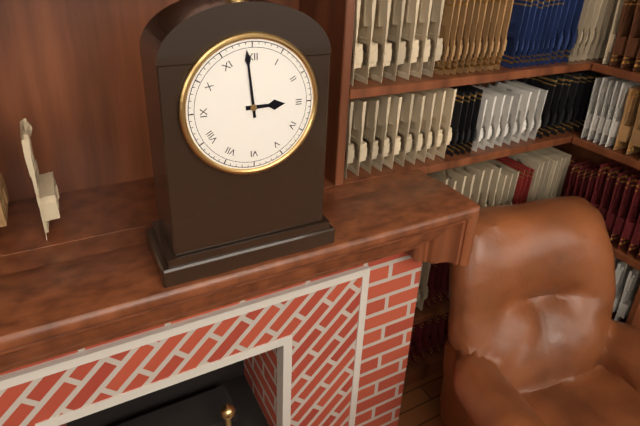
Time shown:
{"hour": 2, "minute": 59}
